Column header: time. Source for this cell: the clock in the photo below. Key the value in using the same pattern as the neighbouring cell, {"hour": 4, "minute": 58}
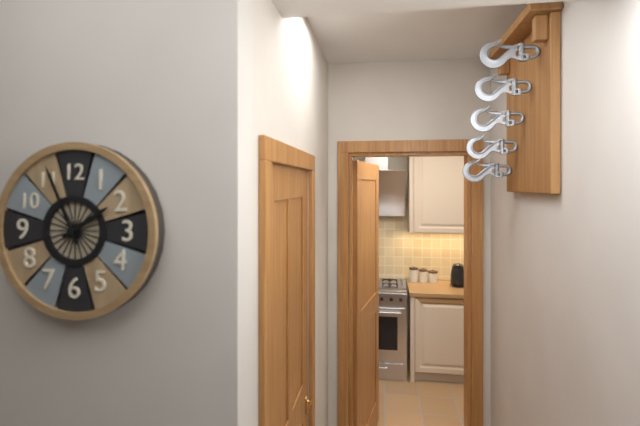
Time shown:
{"hour": 1, "minute": 56}
